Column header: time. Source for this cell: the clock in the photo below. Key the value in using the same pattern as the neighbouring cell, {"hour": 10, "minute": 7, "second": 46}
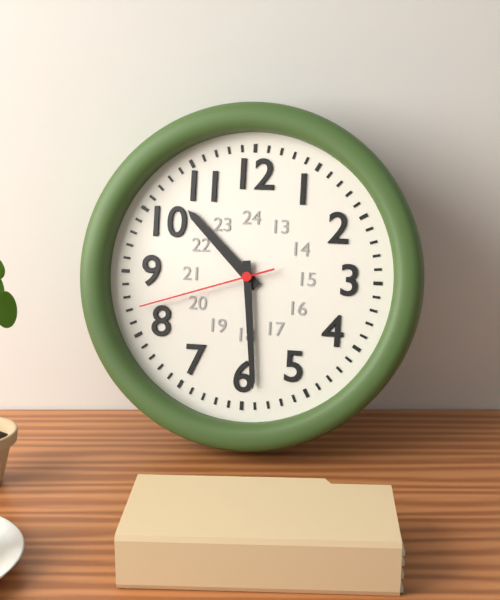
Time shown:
{"hour": 10, "minute": 29, "second": 42}
